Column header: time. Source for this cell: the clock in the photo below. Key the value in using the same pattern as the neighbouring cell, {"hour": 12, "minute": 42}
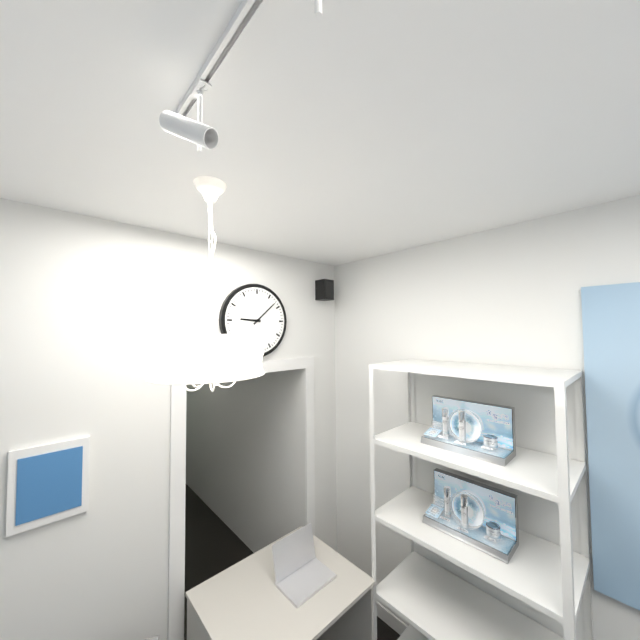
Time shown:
{"hour": 9, "minute": 8}
